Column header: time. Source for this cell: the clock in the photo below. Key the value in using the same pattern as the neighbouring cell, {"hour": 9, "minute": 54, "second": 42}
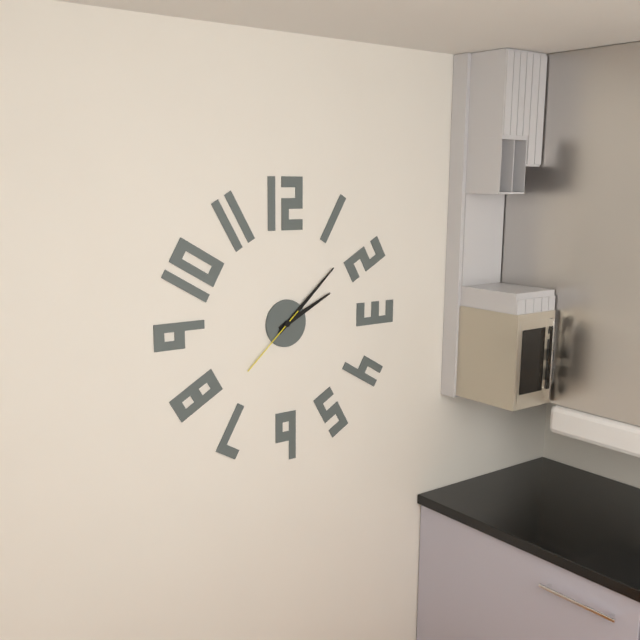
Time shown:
{"hour": 2, "minute": 8, "second": 38}
